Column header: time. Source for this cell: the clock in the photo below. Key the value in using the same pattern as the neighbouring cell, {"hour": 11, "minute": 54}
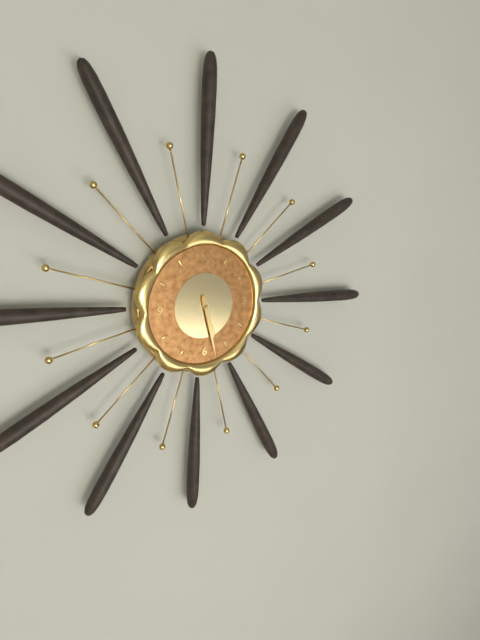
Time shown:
{"hour": 5, "minute": 28}
